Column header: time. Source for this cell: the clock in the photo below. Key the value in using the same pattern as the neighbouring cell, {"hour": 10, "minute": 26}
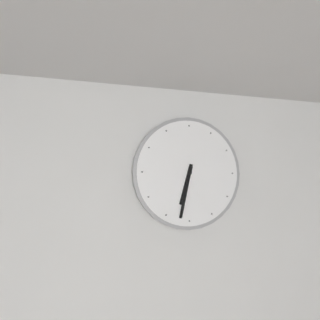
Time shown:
{"hour": 6, "minute": 32}
